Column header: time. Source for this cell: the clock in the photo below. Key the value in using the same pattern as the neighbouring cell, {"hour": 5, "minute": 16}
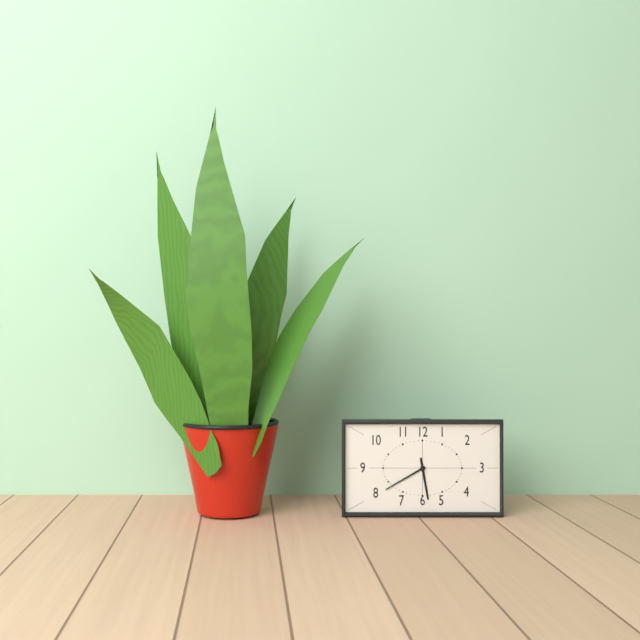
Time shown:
{"hour": 5, "minute": 40}
